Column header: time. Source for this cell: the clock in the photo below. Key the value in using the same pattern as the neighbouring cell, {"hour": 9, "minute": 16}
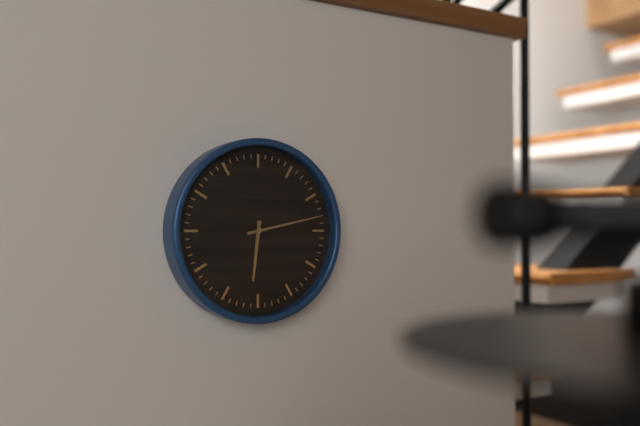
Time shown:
{"hour": 6, "minute": 13}
